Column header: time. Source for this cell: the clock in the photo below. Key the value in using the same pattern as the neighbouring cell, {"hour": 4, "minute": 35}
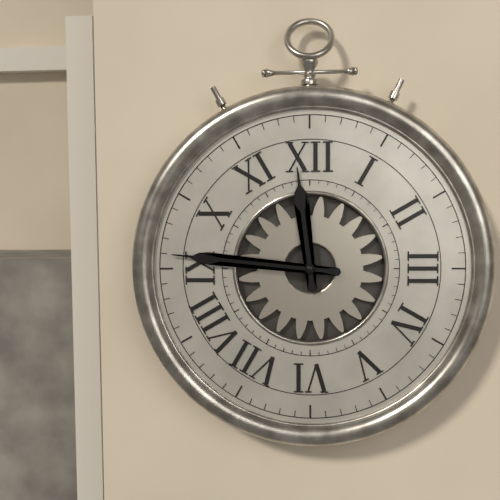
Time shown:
{"hour": 11, "minute": 46}
